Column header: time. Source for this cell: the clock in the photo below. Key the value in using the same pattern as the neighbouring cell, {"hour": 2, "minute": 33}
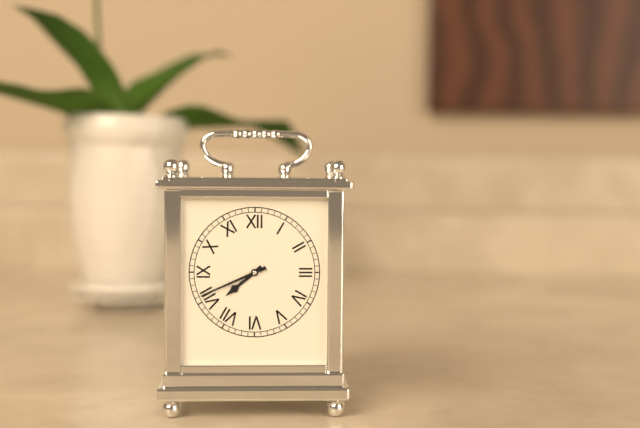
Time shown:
{"hour": 7, "minute": 41}
